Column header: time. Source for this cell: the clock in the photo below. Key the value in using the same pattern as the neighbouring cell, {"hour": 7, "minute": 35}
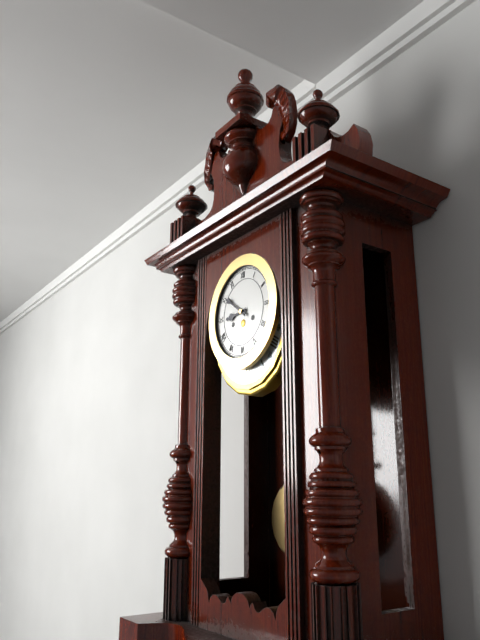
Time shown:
{"hour": 8, "minute": 51}
